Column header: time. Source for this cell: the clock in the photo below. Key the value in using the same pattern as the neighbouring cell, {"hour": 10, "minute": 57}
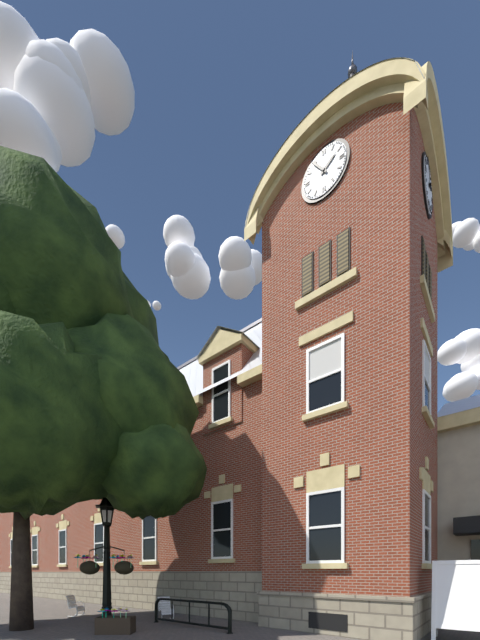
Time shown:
{"hour": 1, "minute": 54}
